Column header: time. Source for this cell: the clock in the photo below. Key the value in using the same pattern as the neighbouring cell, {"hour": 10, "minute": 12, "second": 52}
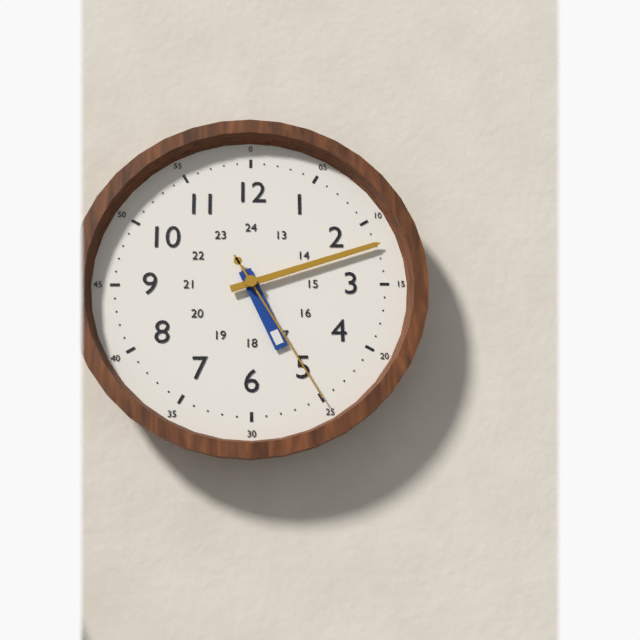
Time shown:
{"hour": 5, "minute": 12, "second": 25}
